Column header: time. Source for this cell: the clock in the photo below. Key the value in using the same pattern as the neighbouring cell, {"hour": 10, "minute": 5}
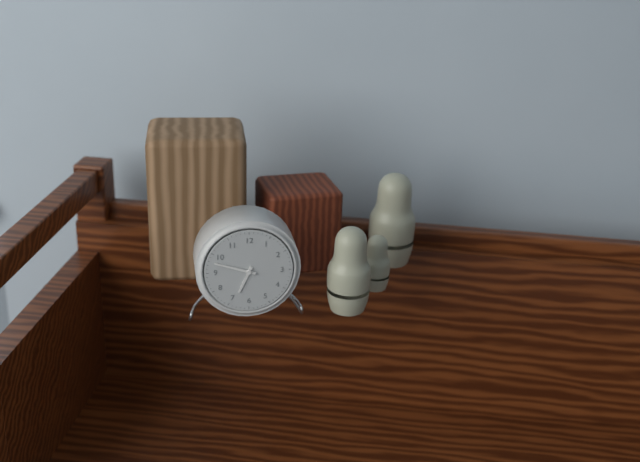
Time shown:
{"hour": 6, "minute": 48}
